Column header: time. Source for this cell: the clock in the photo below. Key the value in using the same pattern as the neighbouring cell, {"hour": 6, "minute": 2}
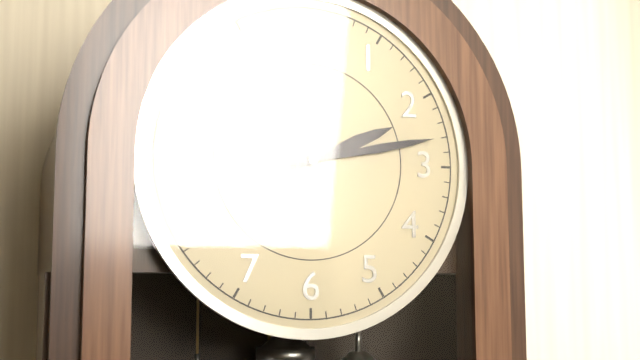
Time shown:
{"hour": 2, "minute": 13}
